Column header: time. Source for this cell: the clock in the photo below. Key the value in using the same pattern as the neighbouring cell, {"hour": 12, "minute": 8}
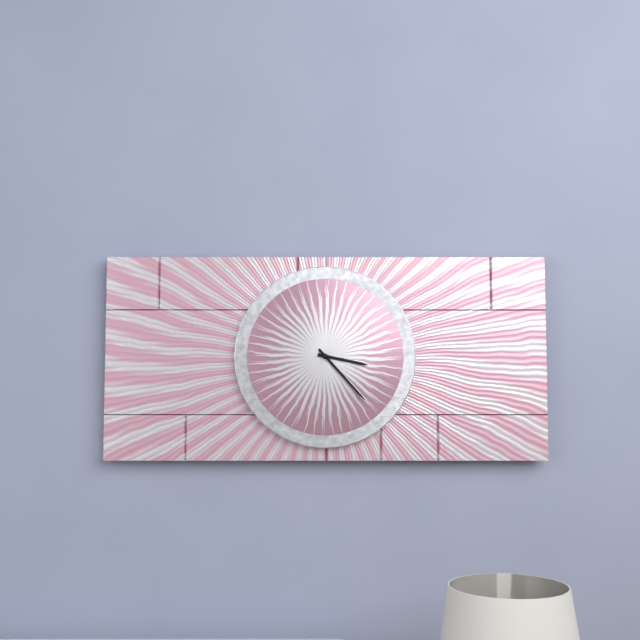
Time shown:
{"hour": 3, "minute": 23}
